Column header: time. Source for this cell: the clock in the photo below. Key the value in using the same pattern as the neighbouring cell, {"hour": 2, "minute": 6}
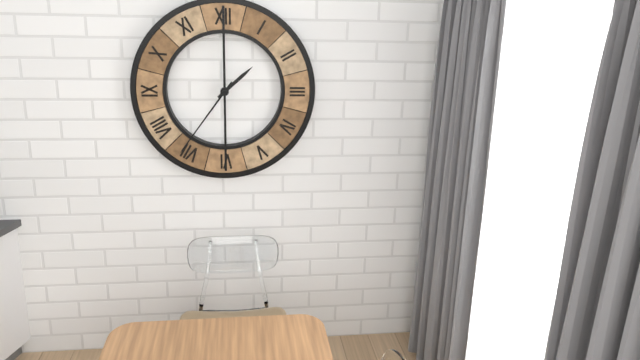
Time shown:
{"hour": 1, "minute": 36}
